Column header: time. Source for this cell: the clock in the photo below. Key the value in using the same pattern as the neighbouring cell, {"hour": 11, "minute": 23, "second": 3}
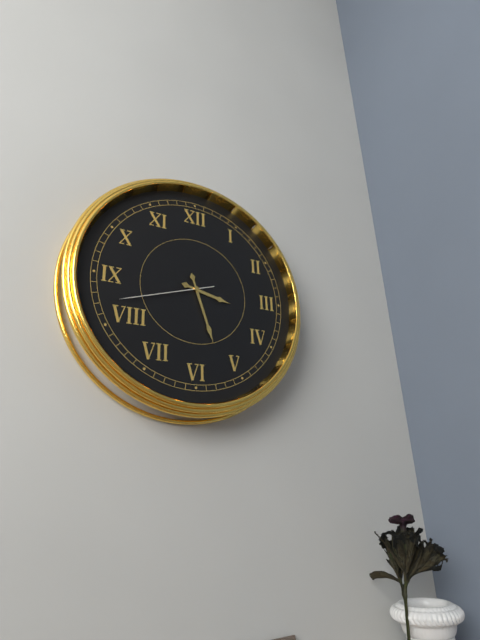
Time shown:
{"hour": 3, "minute": 27, "second": 42}
